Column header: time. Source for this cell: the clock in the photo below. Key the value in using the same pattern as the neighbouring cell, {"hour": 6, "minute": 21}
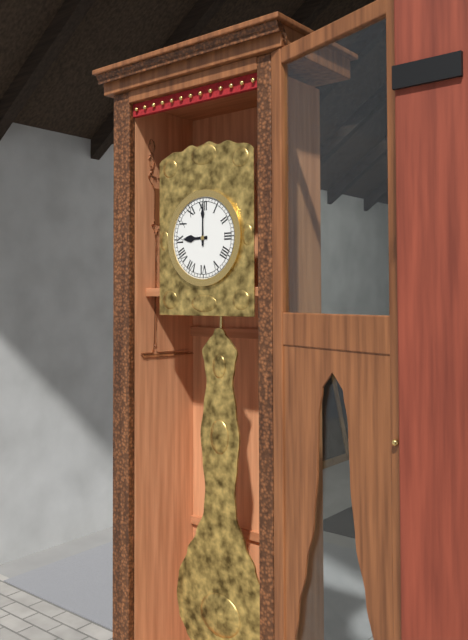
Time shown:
{"hour": 9, "minute": 0}
